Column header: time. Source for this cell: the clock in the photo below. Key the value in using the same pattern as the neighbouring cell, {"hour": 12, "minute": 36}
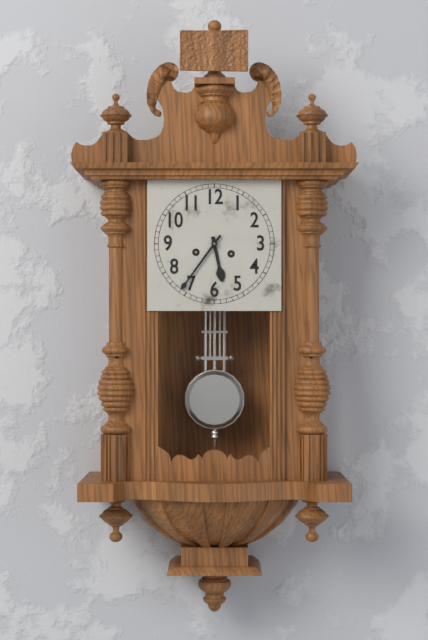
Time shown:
{"hour": 5, "minute": 36}
